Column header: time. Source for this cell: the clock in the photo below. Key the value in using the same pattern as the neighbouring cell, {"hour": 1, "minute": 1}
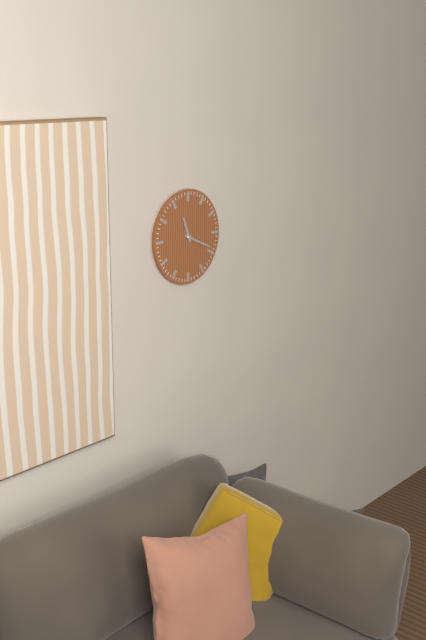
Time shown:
{"hour": 11, "minute": 19}
